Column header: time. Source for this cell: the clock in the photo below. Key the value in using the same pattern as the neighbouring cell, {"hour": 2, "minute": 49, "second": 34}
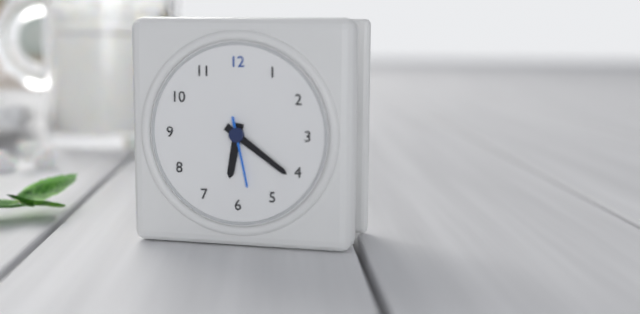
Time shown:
{"hour": 6, "minute": 21, "second": 28}
